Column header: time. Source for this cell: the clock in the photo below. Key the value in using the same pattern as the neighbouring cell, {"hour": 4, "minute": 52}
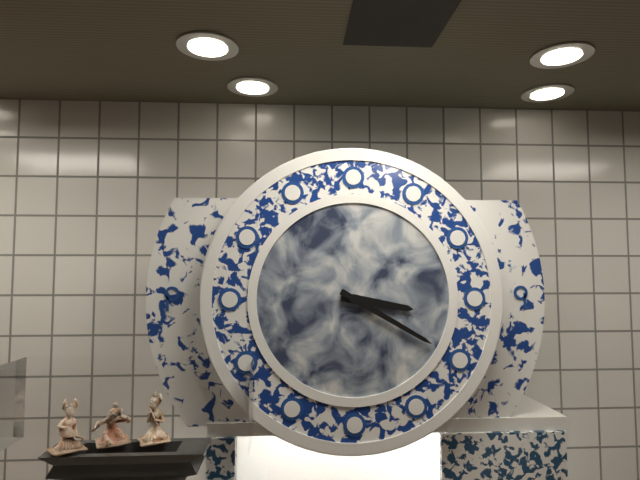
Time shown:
{"hour": 3, "minute": 20}
